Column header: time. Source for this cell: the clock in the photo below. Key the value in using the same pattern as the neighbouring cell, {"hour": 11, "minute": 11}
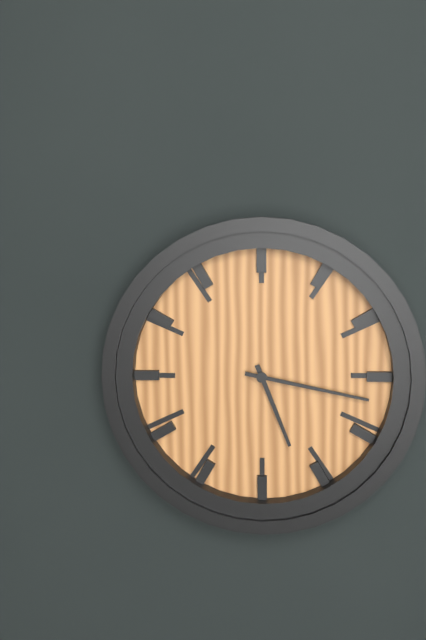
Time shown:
{"hour": 5, "minute": 17}
